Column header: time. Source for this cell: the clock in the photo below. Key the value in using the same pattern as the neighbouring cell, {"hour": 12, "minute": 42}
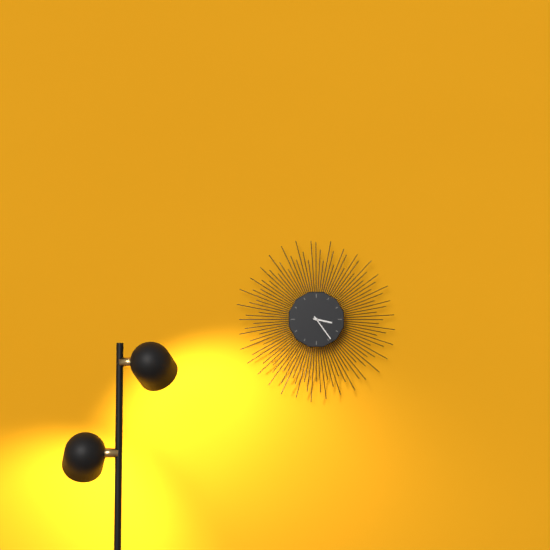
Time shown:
{"hour": 3, "minute": 24}
